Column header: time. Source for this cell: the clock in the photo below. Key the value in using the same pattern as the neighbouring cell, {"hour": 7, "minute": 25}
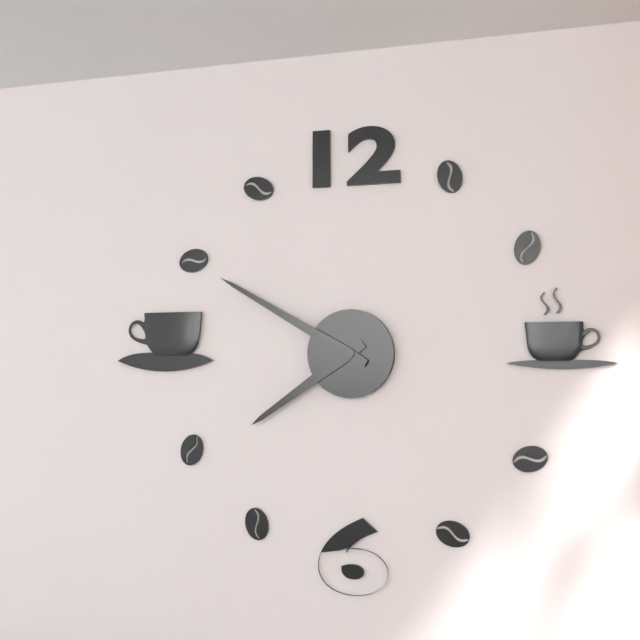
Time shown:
{"hour": 7, "minute": 50}
